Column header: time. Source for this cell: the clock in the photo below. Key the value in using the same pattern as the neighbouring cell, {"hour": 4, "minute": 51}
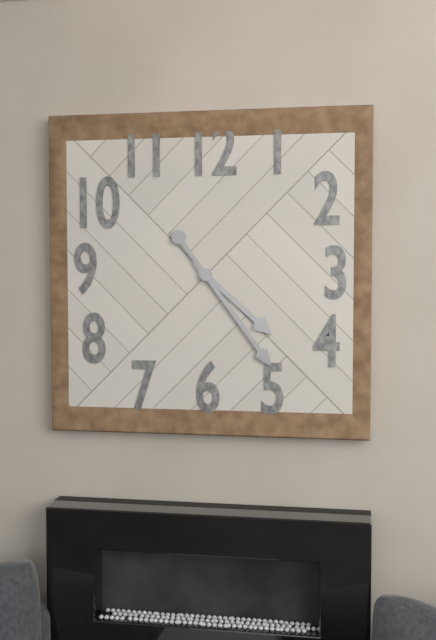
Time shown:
{"hour": 4, "minute": 24}
